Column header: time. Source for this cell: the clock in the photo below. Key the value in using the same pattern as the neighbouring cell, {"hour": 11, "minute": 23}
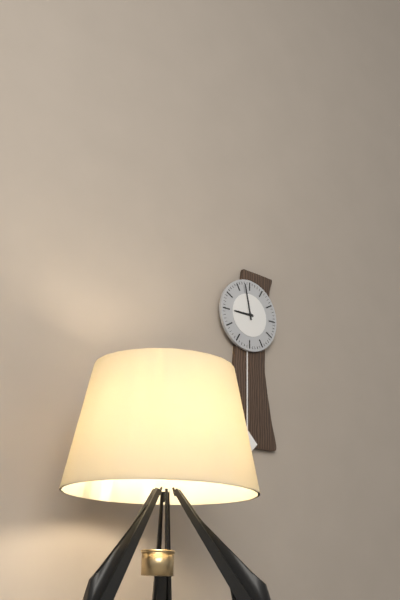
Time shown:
{"hour": 8, "minute": 58}
